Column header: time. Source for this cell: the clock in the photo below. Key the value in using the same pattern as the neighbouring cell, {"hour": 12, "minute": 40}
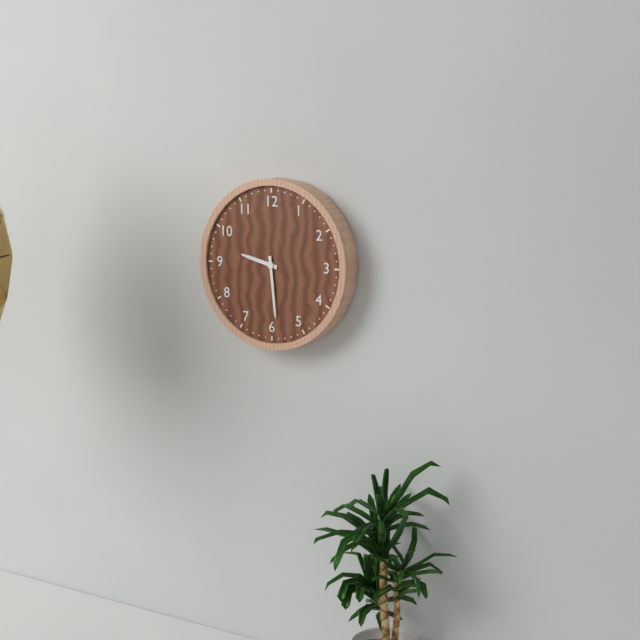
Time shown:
{"hour": 9, "minute": 29}
